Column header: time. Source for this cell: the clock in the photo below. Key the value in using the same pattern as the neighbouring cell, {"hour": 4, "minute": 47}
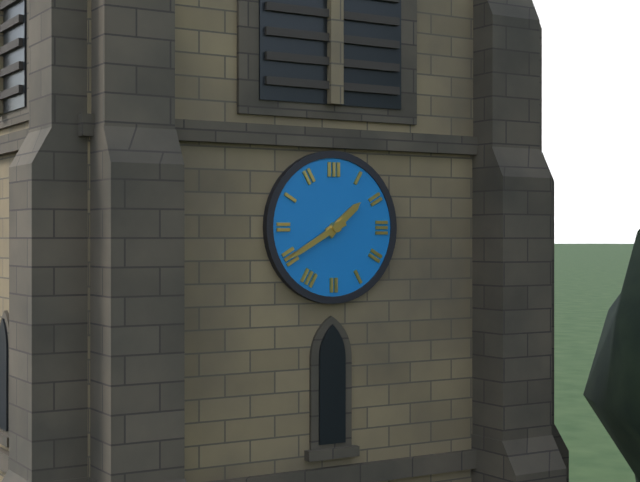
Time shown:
{"hour": 1, "minute": 40}
